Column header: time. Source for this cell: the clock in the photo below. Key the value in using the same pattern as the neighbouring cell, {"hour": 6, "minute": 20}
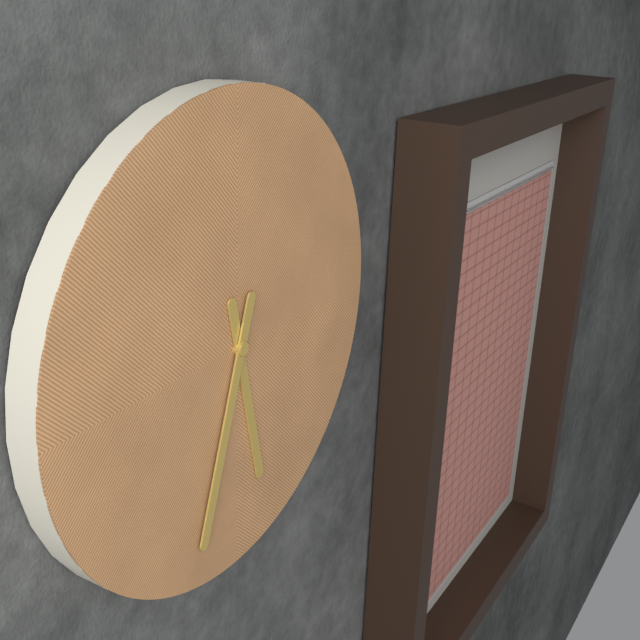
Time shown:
{"hour": 5, "minute": 33}
